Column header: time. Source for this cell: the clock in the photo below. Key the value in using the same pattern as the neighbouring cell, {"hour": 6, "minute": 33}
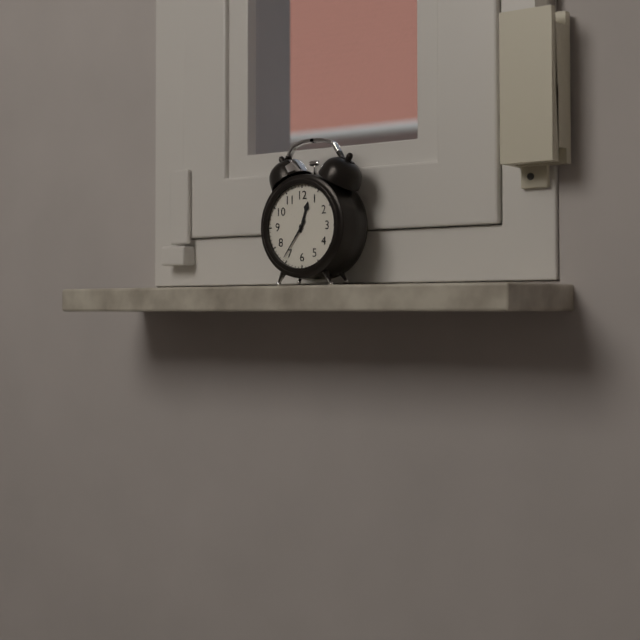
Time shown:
{"hour": 12, "minute": 36}
